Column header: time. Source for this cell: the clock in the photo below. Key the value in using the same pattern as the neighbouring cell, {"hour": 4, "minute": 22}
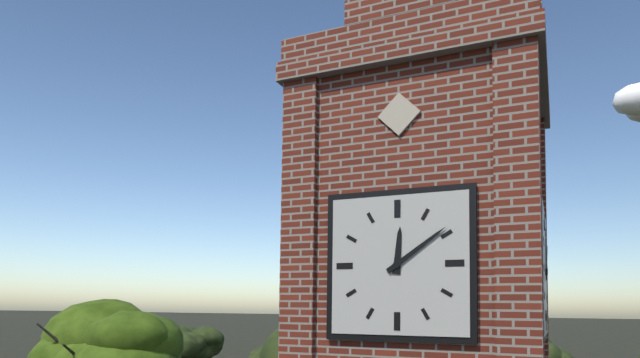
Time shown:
{"hour": 12, "minute": 9}
